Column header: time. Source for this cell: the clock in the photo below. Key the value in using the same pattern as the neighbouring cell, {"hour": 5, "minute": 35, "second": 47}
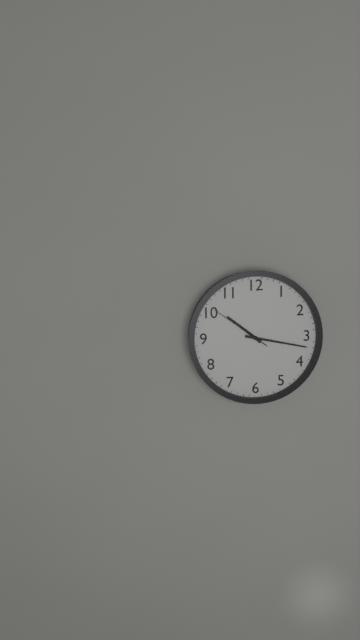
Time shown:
{"hour": 10, "minute": 17, "second": 51}
